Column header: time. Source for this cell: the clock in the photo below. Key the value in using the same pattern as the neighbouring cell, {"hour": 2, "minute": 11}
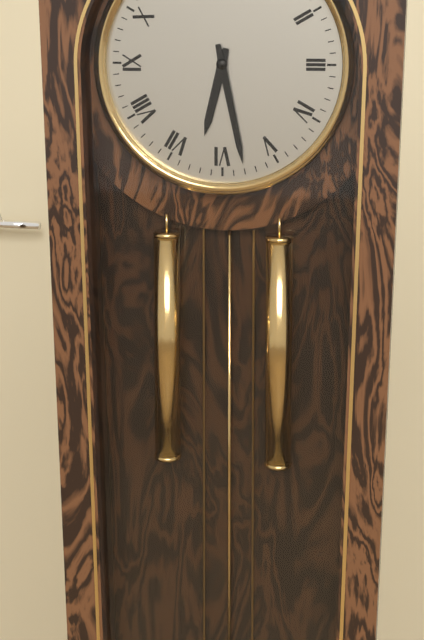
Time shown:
{"hour": 6, "minute": 28}
